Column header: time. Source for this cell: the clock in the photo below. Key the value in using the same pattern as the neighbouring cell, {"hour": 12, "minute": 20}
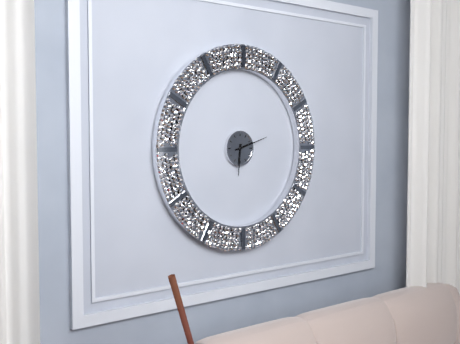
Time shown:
{"hour": 6, "minute": 12}
